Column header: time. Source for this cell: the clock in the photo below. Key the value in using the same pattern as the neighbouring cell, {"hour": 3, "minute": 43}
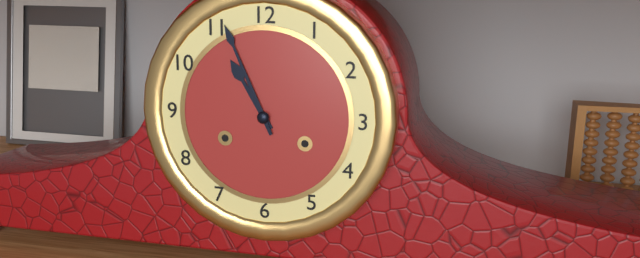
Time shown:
{"hour": 10, "minute": 56}
